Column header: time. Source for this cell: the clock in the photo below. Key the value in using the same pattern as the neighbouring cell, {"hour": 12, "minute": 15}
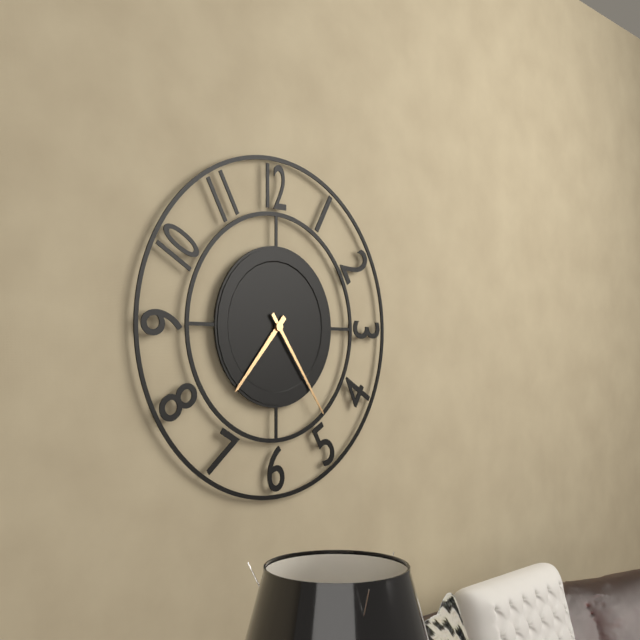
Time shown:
{"hour": 7, "minute": 24}
